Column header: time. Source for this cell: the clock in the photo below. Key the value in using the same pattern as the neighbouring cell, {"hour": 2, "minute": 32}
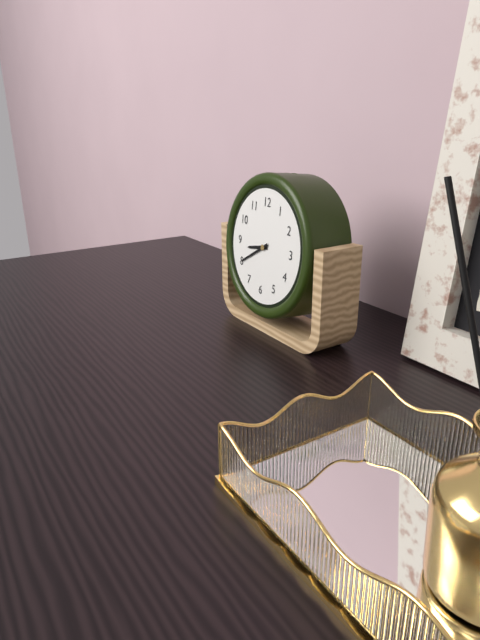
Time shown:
{"hour": 8, "minute": 40}
